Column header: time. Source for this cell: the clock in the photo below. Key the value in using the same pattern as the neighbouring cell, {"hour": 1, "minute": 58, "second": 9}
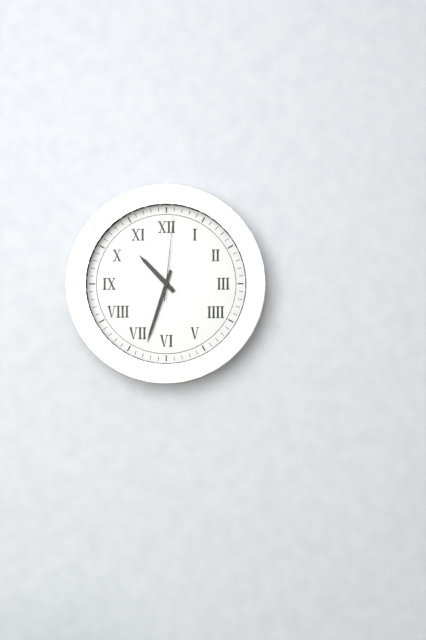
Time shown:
{"hour": 10, "minute": 33, "second": 1}
